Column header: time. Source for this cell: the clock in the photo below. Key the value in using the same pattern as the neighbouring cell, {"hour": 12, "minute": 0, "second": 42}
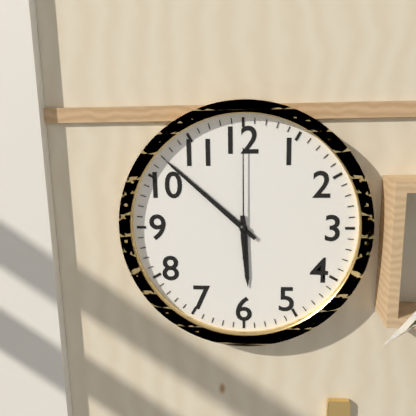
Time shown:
{"hour": 5, "minute": 52, "second": 0}
